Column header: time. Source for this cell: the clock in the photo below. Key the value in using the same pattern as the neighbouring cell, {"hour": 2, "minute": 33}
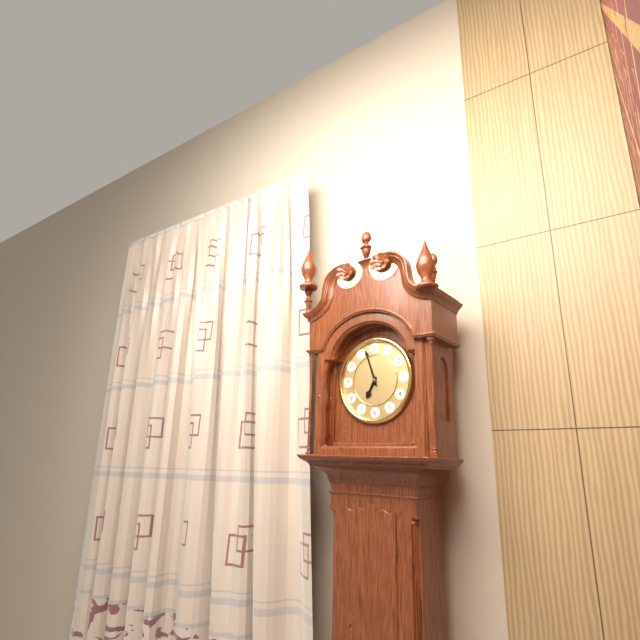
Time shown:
{"hour": 6, "minute": 57}
